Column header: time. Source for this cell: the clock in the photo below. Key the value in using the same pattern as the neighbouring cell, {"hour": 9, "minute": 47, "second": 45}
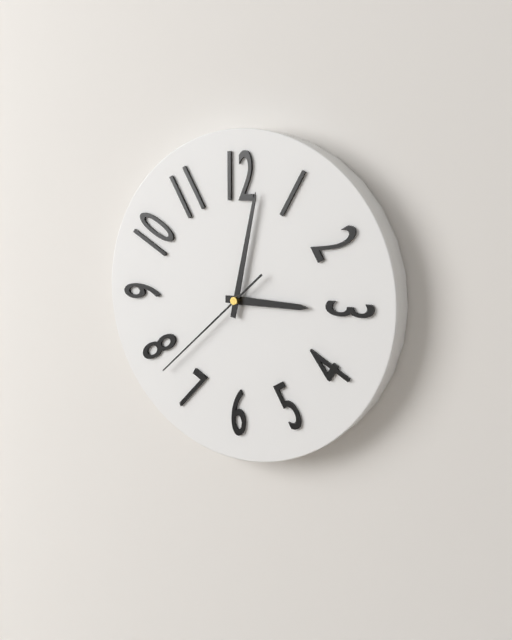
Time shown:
{"hour": 3, "minute": 2, "second": 38}
